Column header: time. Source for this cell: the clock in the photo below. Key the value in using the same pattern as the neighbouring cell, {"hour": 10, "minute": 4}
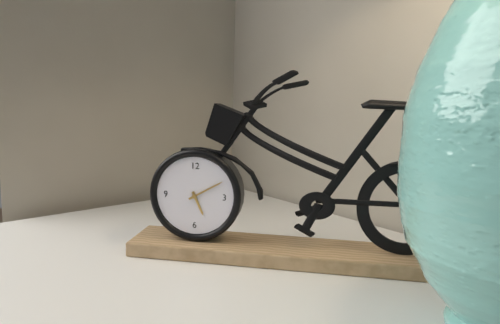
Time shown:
{"hour": 5, "minute": 10}
